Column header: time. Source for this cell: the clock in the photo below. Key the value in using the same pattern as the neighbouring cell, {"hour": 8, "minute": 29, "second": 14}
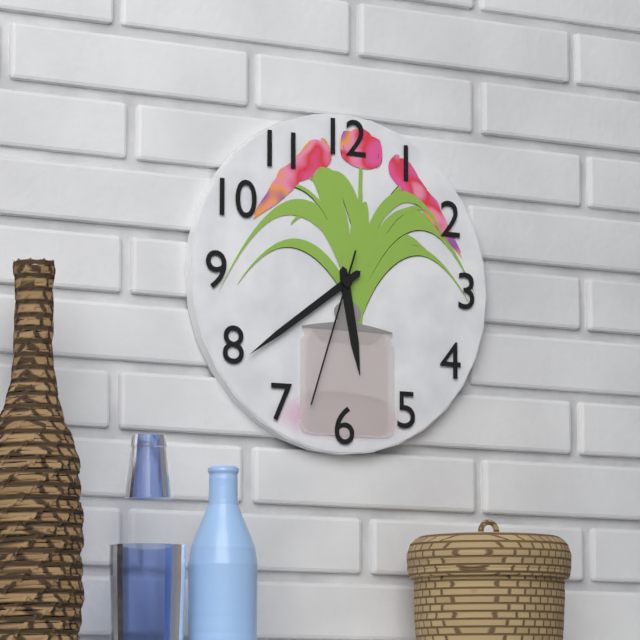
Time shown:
{"hour": 5, "minute": 39, "second": 33}
